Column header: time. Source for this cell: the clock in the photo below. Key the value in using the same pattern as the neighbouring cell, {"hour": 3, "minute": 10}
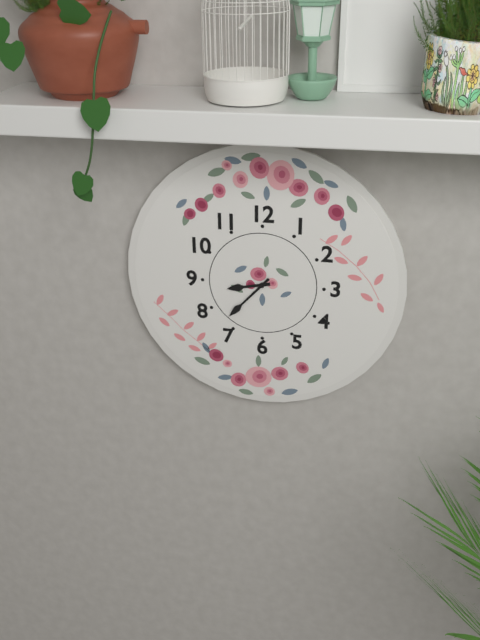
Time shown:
{"hour": 8, "minute": 37}
